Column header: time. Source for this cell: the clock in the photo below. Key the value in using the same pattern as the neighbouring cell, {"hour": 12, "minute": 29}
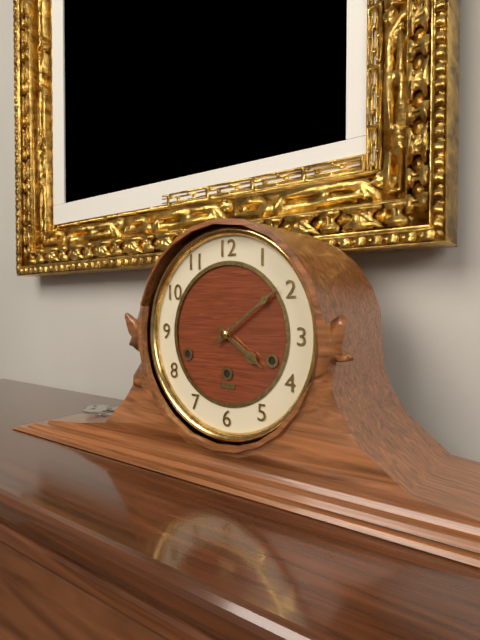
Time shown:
{"hour": 4, "minute": 9}
